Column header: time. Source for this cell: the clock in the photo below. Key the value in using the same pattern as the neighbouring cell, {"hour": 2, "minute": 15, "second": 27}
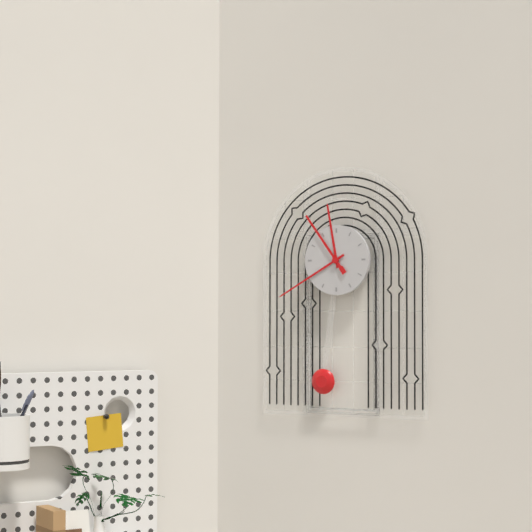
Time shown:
{"hour": 11, "minute": 40, "second": 54}
